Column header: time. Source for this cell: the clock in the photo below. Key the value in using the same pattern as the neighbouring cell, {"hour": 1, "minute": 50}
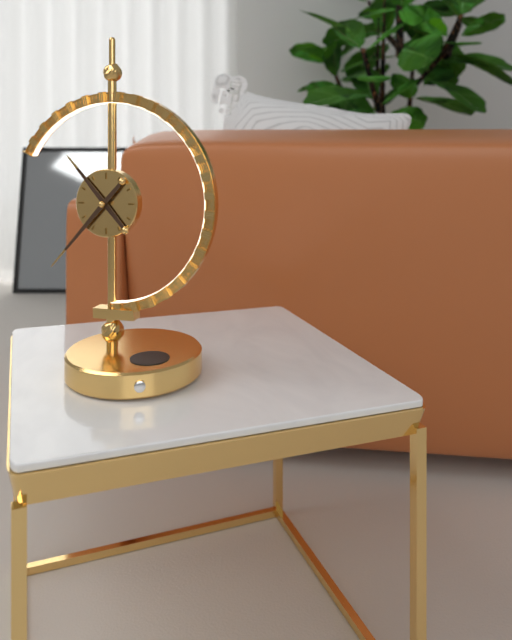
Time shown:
{"hour": 10, "minute": 37}
